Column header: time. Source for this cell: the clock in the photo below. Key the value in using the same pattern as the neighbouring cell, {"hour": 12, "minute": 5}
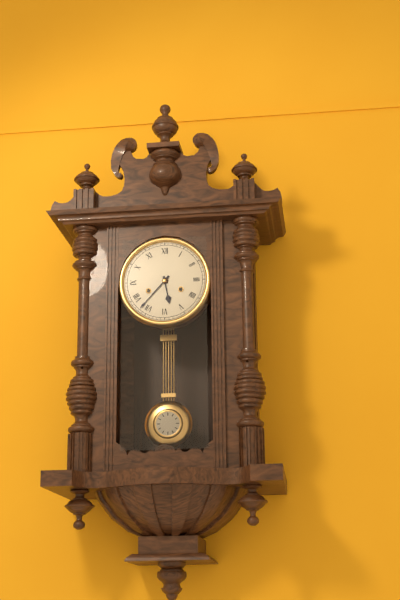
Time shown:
{"hour": 5, "minute": 37}
